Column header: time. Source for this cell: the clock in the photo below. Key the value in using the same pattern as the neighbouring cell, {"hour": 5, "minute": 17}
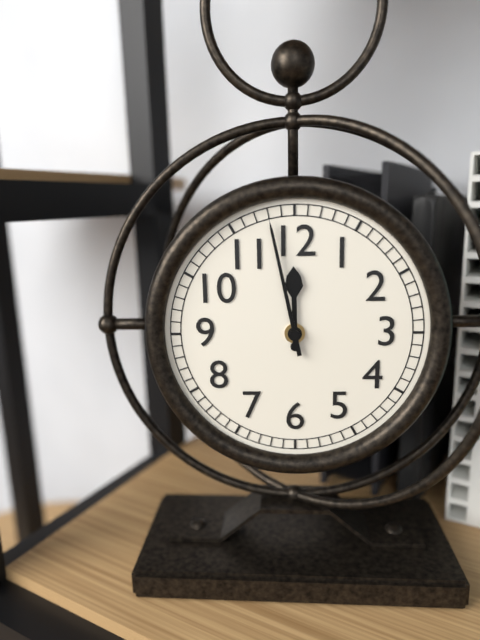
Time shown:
{"hour": 11, "minute": 58}
